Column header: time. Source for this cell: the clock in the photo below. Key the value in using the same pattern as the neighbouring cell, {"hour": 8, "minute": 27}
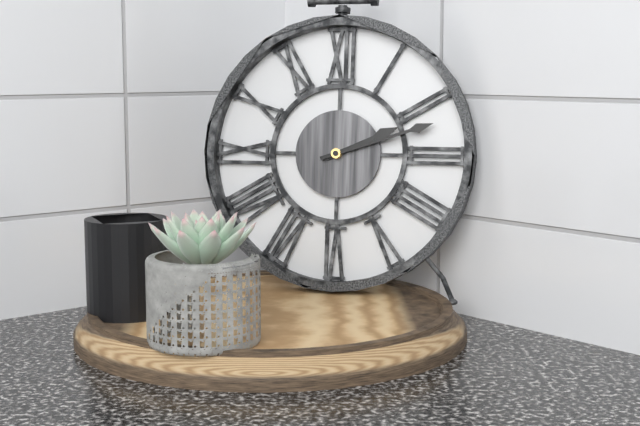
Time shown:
{"hour": 2, "minute": 12}
